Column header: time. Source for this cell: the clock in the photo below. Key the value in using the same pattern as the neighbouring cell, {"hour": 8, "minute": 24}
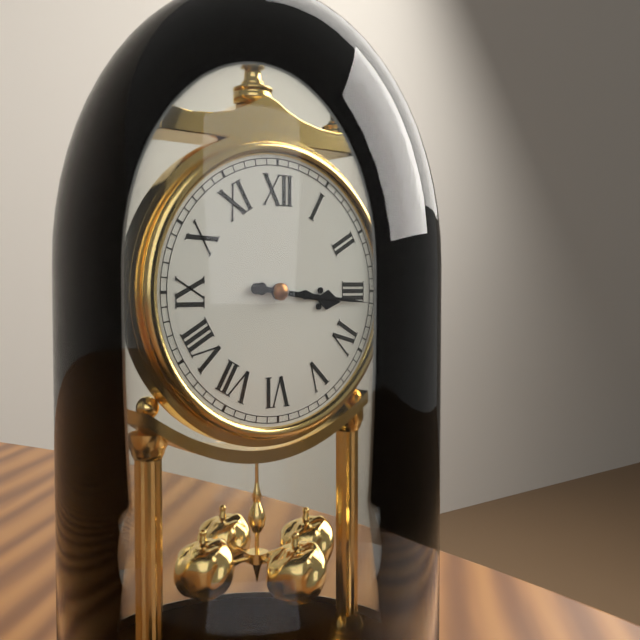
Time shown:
{"hour": 3, "minute": 16}
